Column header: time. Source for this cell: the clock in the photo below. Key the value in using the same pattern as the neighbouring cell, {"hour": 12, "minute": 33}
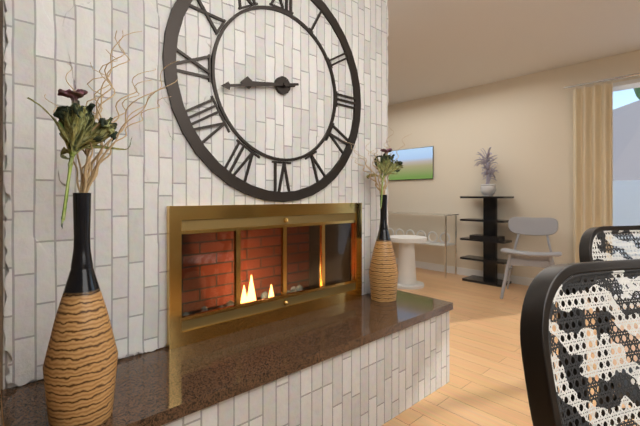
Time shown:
{"hour": 8, "minute": 43}
